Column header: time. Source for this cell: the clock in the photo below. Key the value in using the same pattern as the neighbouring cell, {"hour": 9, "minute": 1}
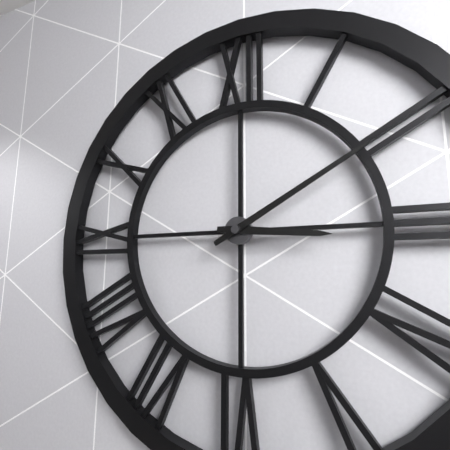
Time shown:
{"hour": 3, "minute": 10}
